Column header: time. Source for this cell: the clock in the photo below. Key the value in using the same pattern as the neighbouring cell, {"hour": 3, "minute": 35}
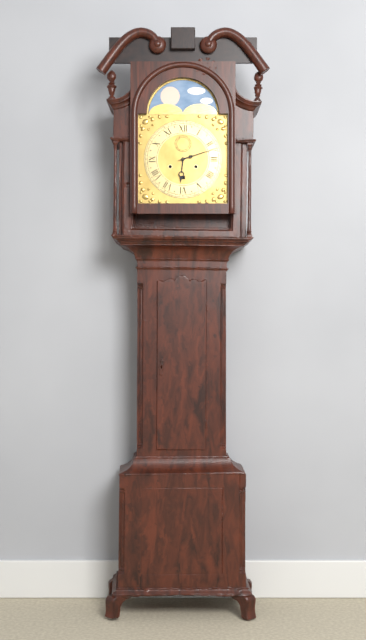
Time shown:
{"hour": 6, "minute": 12}
